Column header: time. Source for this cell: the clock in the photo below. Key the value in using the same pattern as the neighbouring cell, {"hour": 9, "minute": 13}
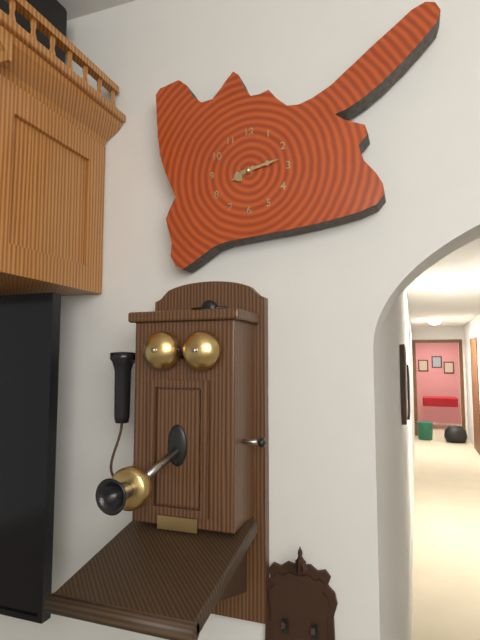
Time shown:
{"hour": 8, "minute": 13}
